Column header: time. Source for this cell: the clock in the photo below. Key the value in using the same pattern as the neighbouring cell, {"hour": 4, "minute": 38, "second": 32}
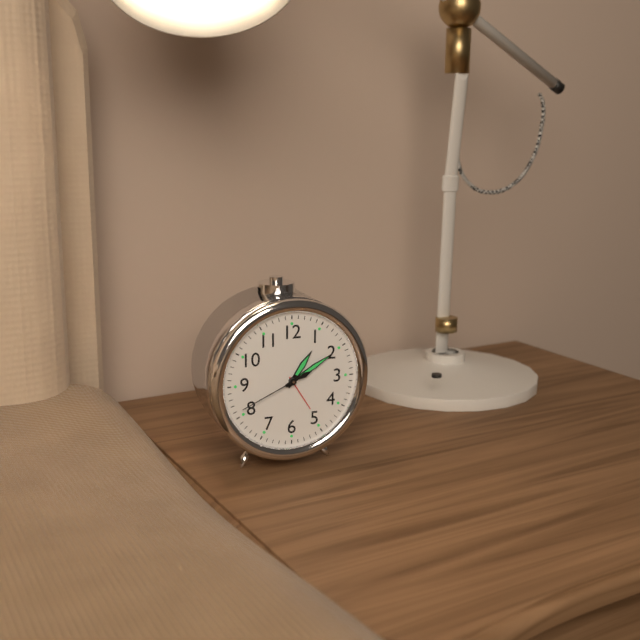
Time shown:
{"hour": 1, "minute": 10, "second": 41}
